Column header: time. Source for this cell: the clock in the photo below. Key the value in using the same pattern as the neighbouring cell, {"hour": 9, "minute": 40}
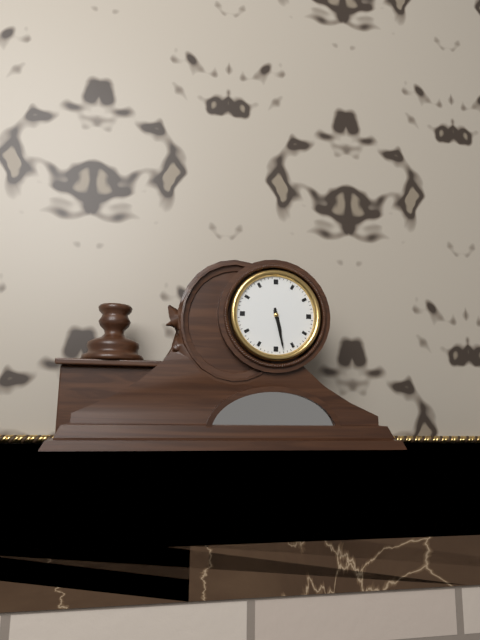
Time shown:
{"hour": 5, "minute": 28}
